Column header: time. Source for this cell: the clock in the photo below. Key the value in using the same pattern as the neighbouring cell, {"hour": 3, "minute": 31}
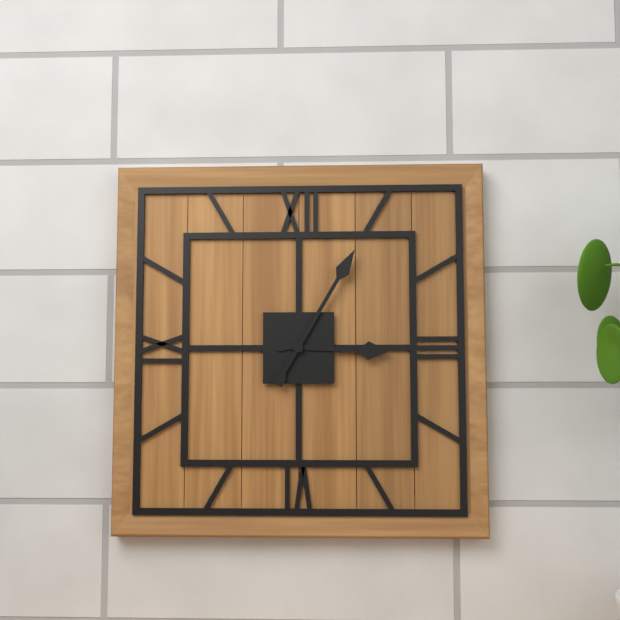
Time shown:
{"hour": 3, "minute": 5}
